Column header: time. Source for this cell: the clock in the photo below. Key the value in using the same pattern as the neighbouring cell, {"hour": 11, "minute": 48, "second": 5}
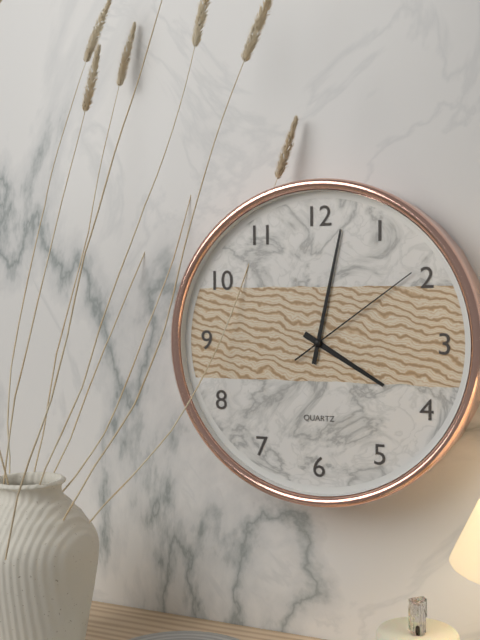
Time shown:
{"hour": 4, "minute": 2, "second": 9}
